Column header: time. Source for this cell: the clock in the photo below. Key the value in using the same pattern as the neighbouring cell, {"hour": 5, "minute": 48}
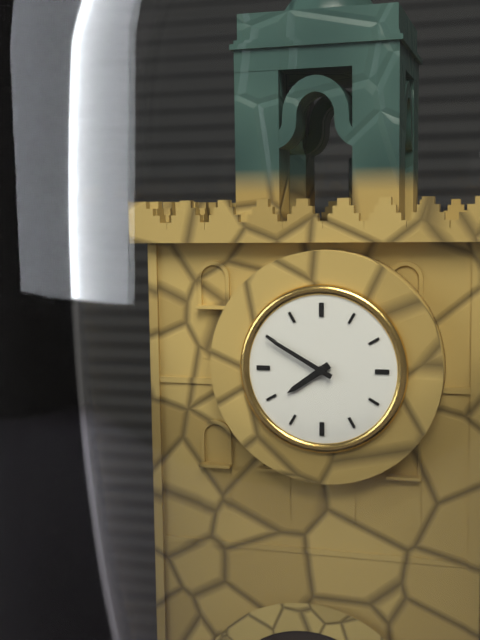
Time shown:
{"hour": 7, "minute": 50}
